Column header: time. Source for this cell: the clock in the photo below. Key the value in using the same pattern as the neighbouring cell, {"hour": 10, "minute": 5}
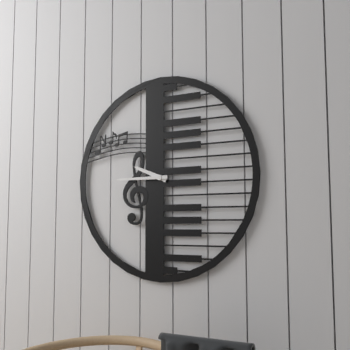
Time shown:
{"hour": 9, "minute": 45}
